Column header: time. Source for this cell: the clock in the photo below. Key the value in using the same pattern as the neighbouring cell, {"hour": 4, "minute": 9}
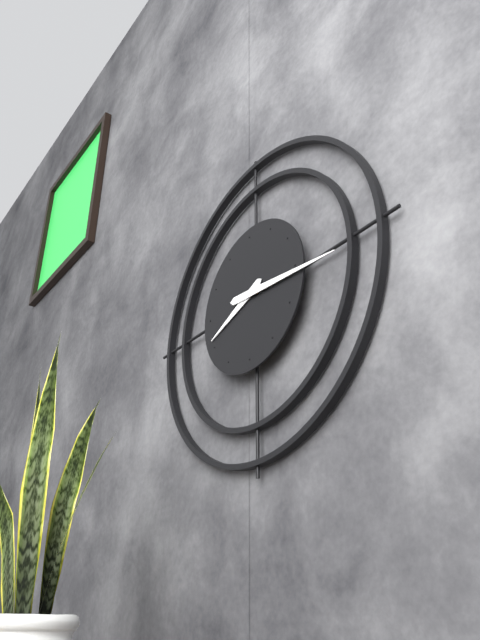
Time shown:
{"hour": 8, "minute": 16}
